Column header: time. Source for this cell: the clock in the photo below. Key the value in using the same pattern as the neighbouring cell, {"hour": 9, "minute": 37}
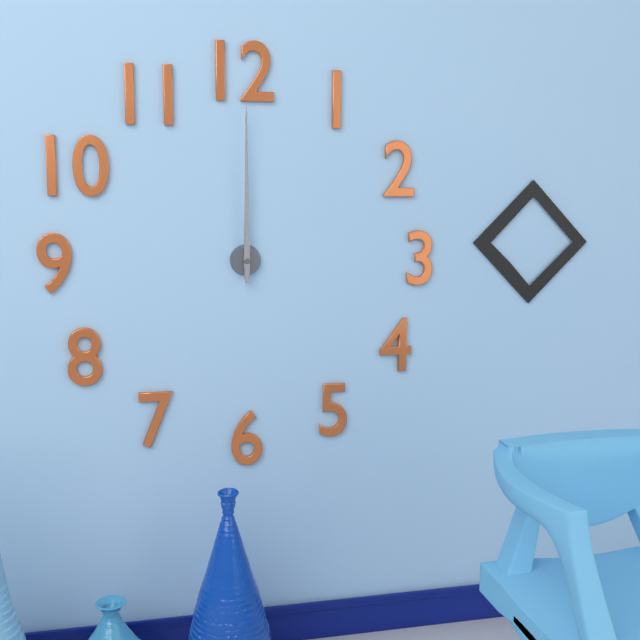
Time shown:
{"hour": 12, "minute": 0}
